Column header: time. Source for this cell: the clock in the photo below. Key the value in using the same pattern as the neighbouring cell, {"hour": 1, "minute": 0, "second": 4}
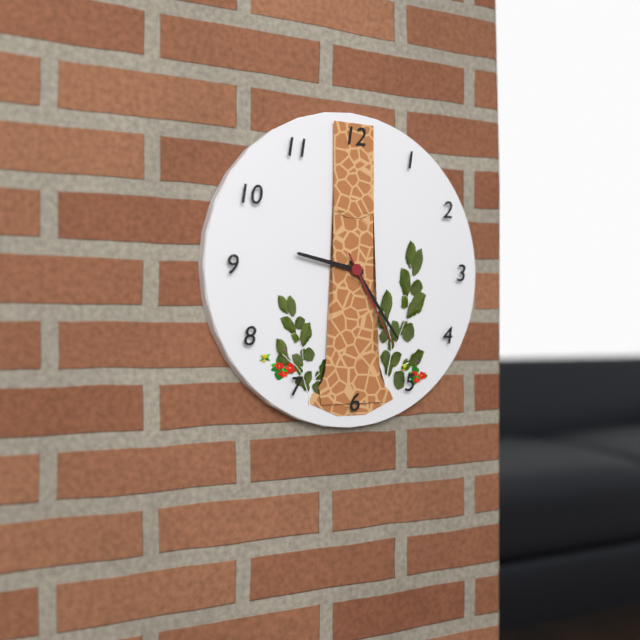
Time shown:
{"hour": 9, "minute": 24, "second": 25}
